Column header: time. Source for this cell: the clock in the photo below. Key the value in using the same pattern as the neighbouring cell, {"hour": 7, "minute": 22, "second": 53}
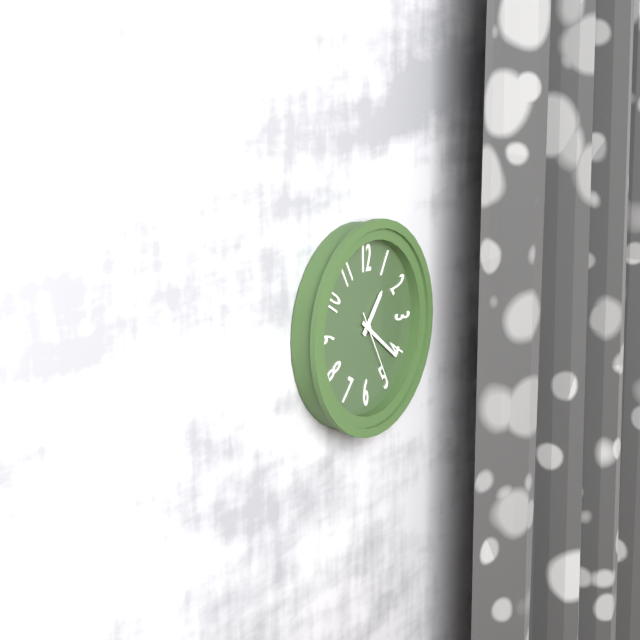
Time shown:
{"hour": 1, "minute": 21, "second": 25}
